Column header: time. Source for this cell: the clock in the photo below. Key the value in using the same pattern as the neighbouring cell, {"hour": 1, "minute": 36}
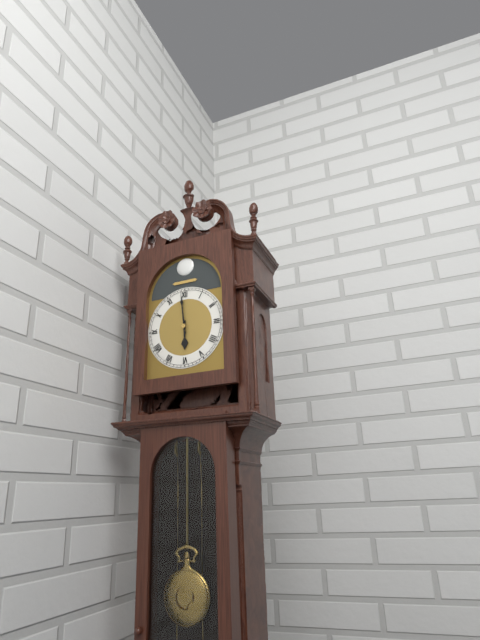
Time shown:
{"hour": 5, "minute": 59}
